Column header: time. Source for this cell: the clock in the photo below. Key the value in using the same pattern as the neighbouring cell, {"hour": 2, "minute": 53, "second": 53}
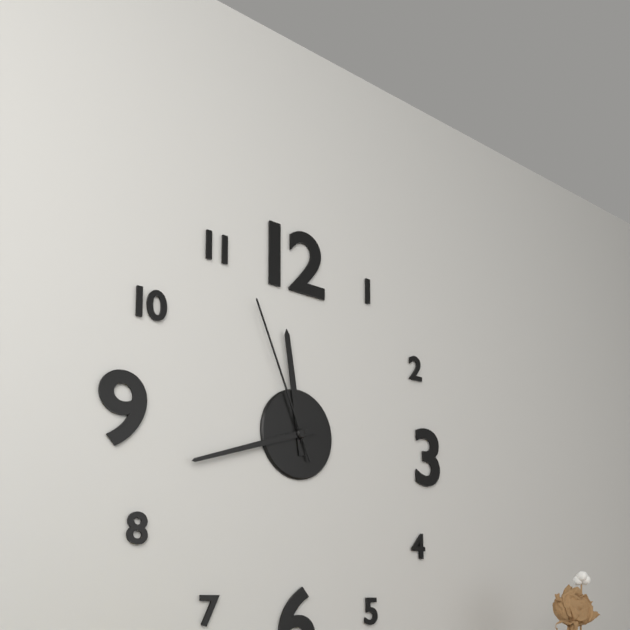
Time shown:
{"hour": 11, "minute": 42, "second": 56}
